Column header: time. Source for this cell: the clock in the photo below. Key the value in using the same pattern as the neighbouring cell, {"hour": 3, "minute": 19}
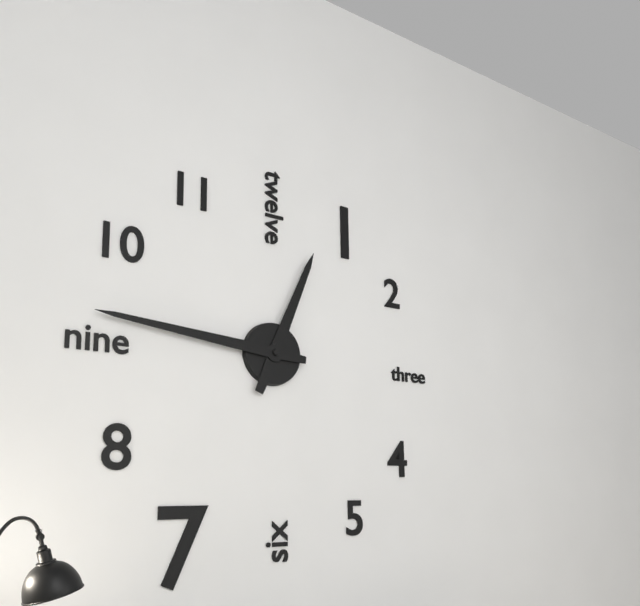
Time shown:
{"hour": 12, "minute": 46}
